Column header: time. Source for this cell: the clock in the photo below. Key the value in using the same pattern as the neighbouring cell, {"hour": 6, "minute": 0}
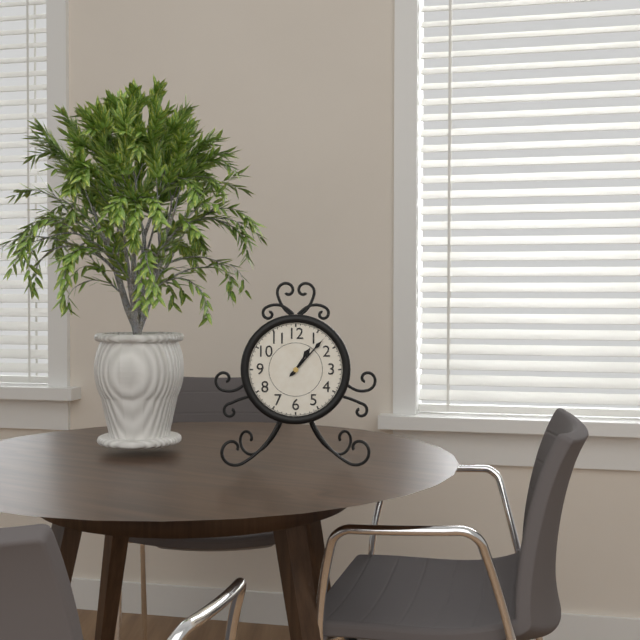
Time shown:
{"hour": 1, "minute": 7}
